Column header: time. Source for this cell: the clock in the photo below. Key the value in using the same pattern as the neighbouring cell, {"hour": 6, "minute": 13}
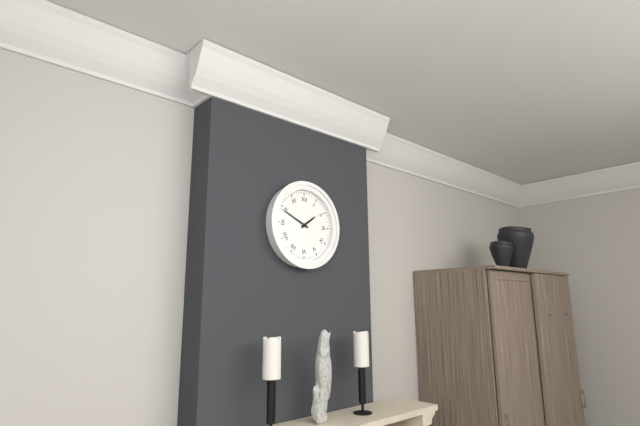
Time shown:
{"hour": 1, "minute": 49}
